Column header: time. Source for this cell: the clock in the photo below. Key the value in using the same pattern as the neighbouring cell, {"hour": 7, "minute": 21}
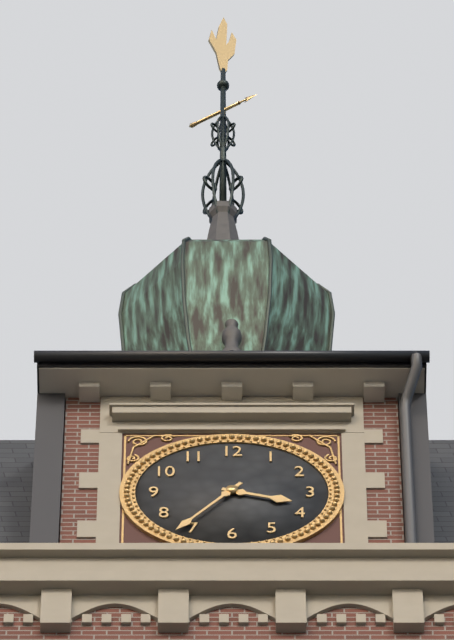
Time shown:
{"hour": 3, "minute": 36}
